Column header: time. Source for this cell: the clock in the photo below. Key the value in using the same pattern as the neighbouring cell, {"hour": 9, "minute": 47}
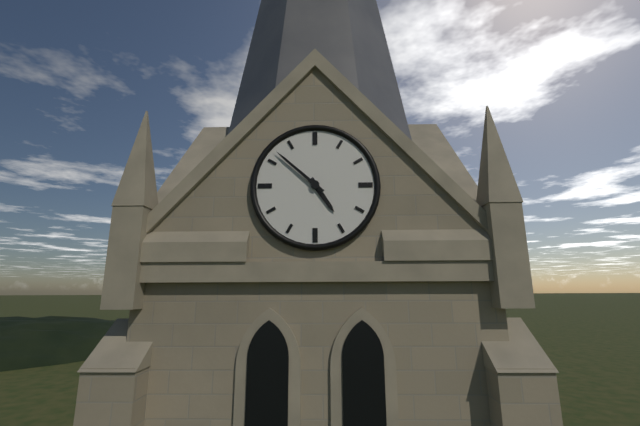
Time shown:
{"hour": 4, "minute": 52}
